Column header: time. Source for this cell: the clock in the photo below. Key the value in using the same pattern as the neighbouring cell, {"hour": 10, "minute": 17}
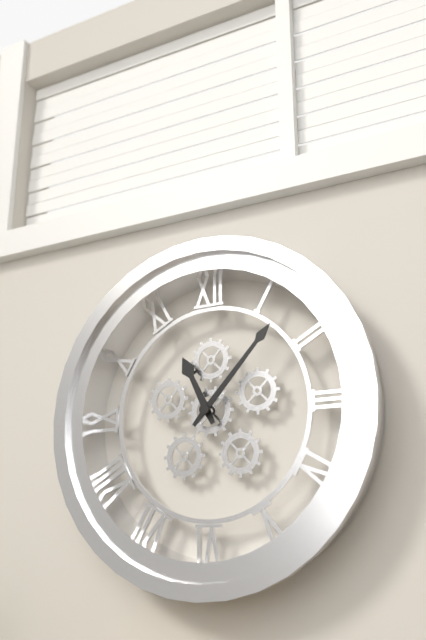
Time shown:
{"hour": 11, "minute": 7}
